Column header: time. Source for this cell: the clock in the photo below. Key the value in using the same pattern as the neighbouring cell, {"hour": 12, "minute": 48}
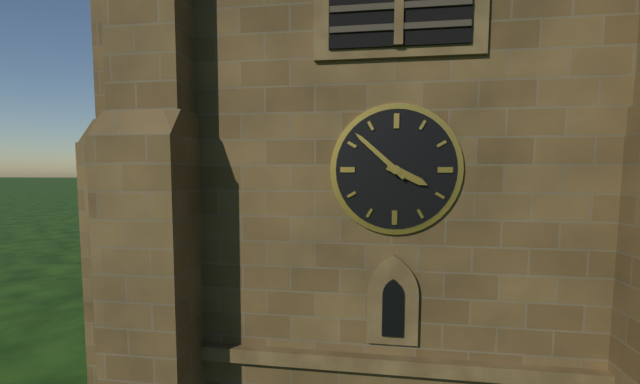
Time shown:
{"hour": 3, "minute": 52}
